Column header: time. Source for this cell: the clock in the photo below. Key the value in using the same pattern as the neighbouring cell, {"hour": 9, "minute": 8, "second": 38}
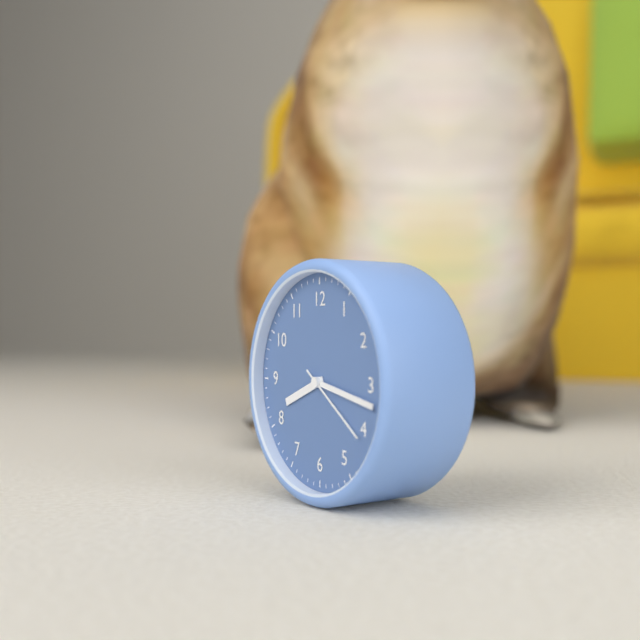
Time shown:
{"hour": 8, "minute": 17, "second": 21}
